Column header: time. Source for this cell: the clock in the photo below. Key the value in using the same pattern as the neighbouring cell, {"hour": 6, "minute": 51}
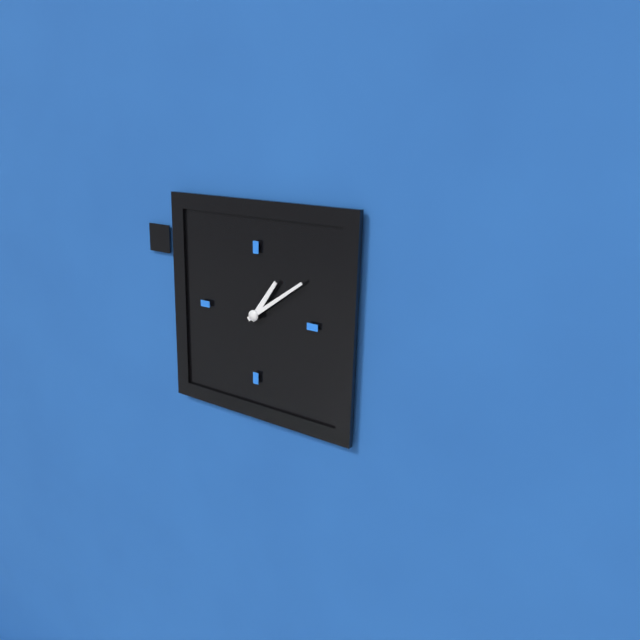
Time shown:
{"hour": 1, "minute": 9}
